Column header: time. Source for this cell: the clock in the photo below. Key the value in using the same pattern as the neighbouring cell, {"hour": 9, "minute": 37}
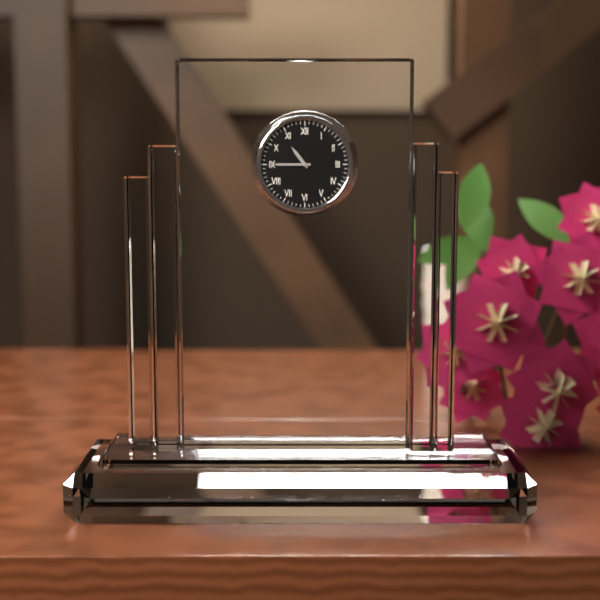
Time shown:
{"hour": 10, "minute": 45}
